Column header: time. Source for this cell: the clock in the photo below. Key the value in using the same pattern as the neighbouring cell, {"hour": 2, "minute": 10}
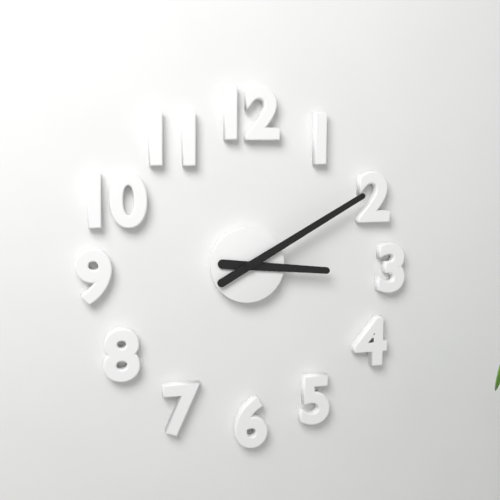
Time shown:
{"hour": 3, "minute": 10}
